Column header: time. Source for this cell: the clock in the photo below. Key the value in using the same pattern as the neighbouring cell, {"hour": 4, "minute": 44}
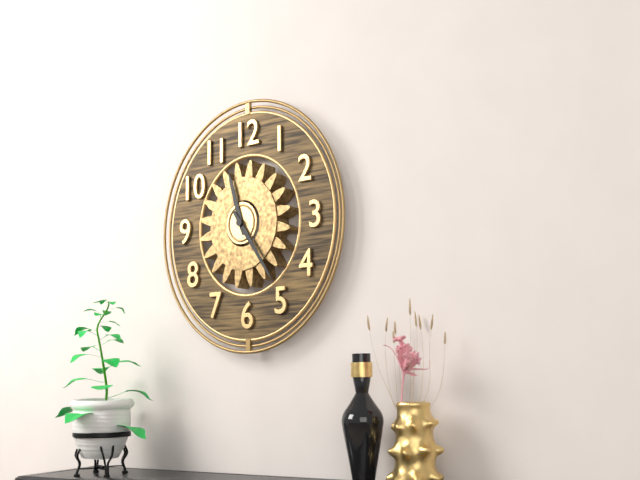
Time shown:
{"hour": 11, "minute": 24}
